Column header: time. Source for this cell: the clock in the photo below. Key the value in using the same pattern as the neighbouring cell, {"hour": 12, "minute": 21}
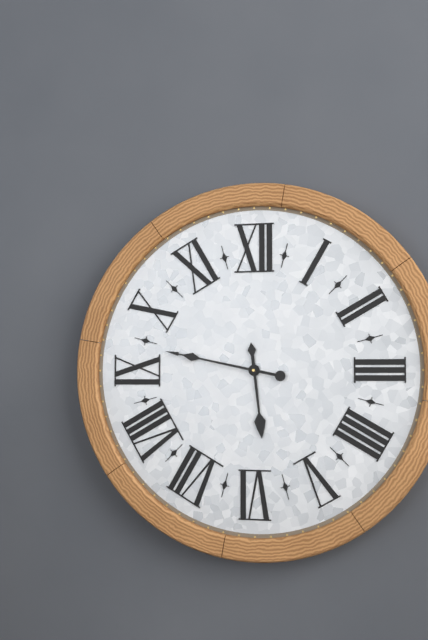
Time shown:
{"hour": 5, "minute": 47}
